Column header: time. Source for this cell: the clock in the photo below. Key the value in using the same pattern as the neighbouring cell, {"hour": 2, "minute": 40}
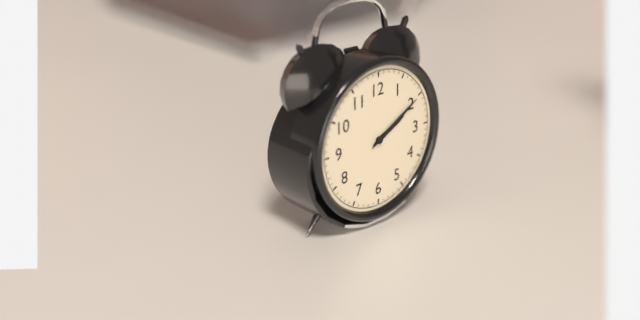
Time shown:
{"hour": 2, "minute": 10}
